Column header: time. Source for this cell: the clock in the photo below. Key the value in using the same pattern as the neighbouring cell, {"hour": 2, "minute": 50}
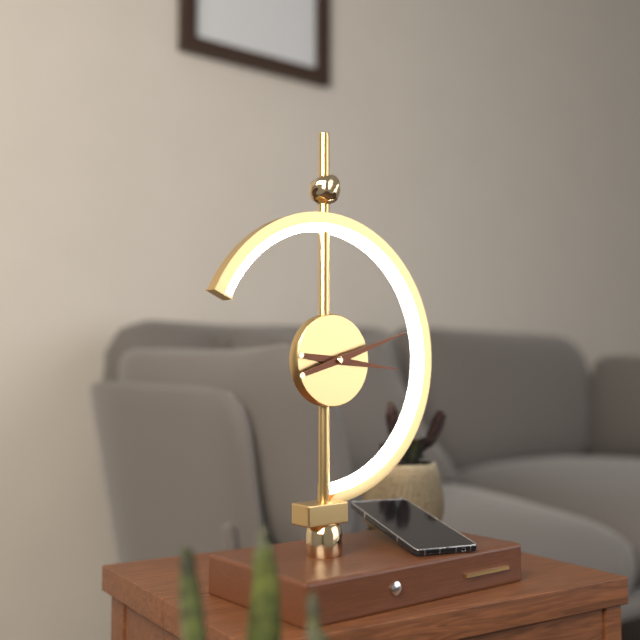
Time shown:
{"hour": 3, "minute": 12}
